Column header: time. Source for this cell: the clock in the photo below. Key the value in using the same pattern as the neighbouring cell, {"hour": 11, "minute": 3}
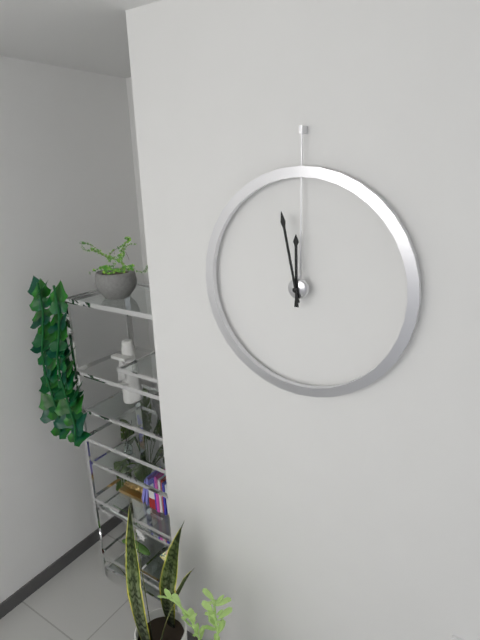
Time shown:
{"hour": 11, "minute": 58}
